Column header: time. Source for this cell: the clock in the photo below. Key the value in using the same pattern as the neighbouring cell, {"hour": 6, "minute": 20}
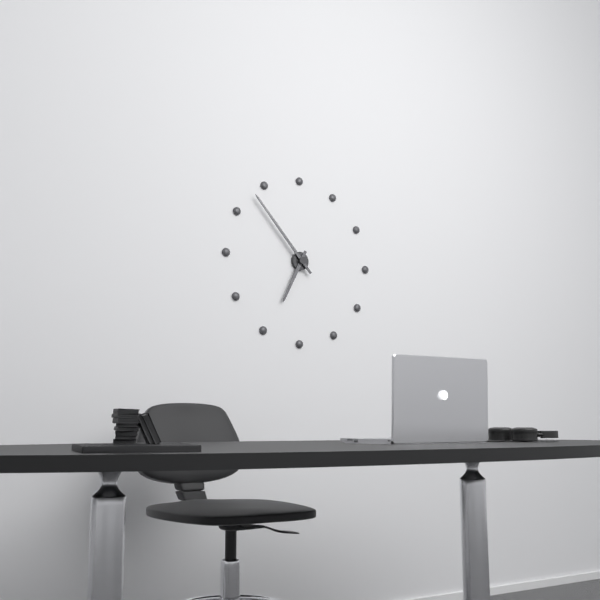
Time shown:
{"hour": 6, "minute": 53}
